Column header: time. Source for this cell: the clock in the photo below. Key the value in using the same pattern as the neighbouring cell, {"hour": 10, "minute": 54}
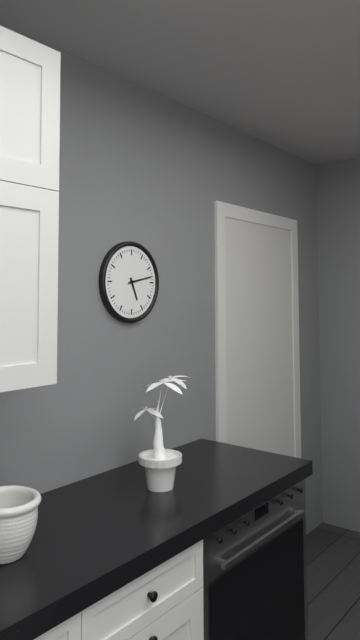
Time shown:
{"hour": 5, "minute": 13}
